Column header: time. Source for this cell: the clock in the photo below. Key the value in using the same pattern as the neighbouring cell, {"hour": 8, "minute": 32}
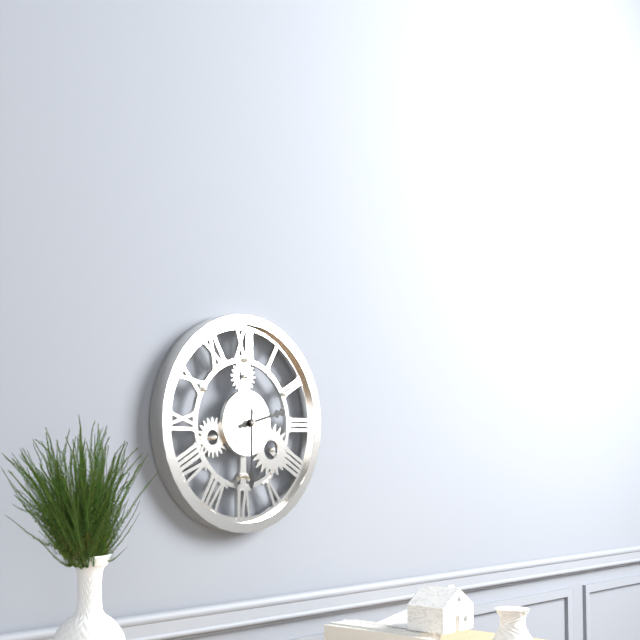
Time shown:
{"hour": 2, "minute": 30}
